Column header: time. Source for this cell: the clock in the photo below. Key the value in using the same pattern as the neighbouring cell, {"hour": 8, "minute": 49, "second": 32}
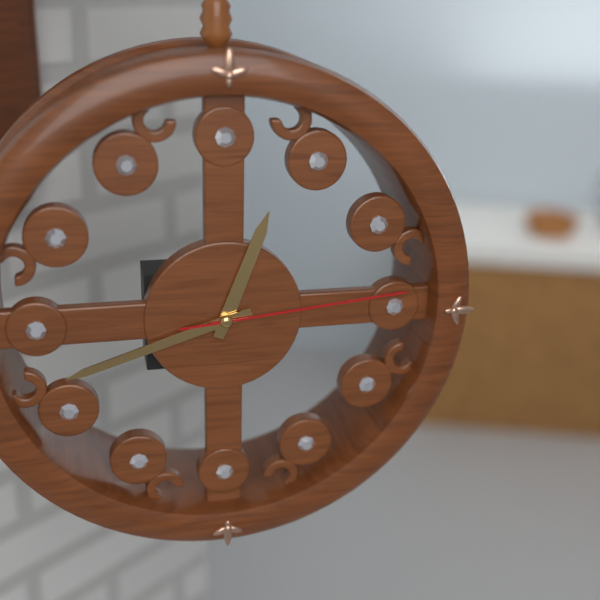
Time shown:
{"hour": 12, "minute": 42, "second": 14}
